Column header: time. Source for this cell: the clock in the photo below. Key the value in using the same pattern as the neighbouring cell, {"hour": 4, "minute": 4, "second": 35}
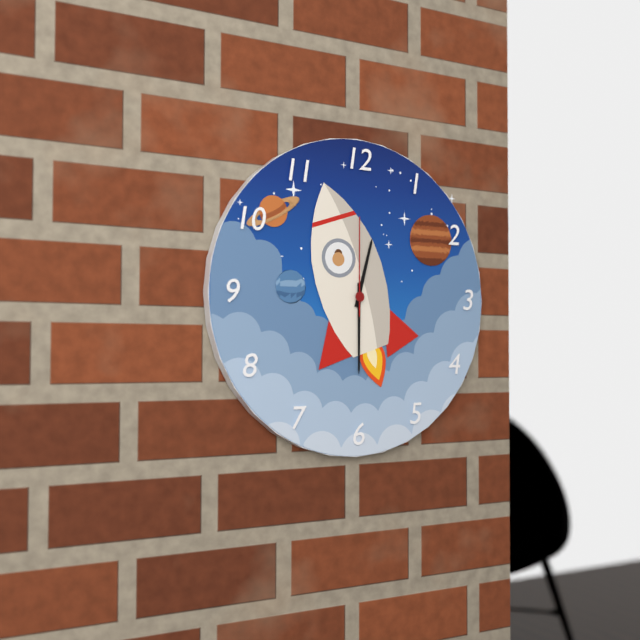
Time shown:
{"hour": 12, "minute": 30, "second": 0}
